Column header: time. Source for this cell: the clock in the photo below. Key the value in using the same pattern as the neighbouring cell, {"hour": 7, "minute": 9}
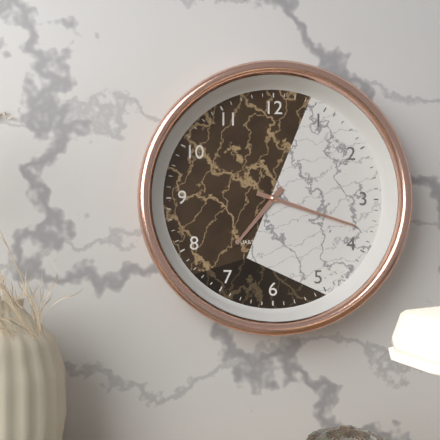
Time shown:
{"hour": 7, "minute": 18}
